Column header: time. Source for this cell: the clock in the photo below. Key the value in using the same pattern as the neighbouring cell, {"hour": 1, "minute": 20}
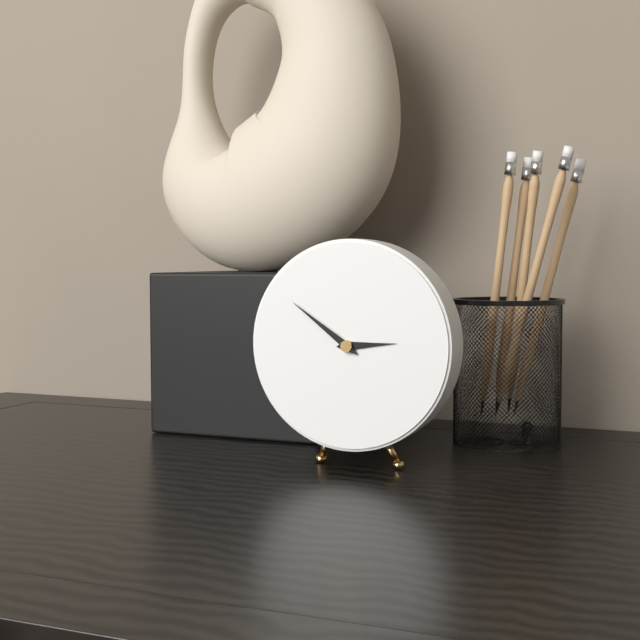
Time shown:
{"hour": 2, "minute": 51}
